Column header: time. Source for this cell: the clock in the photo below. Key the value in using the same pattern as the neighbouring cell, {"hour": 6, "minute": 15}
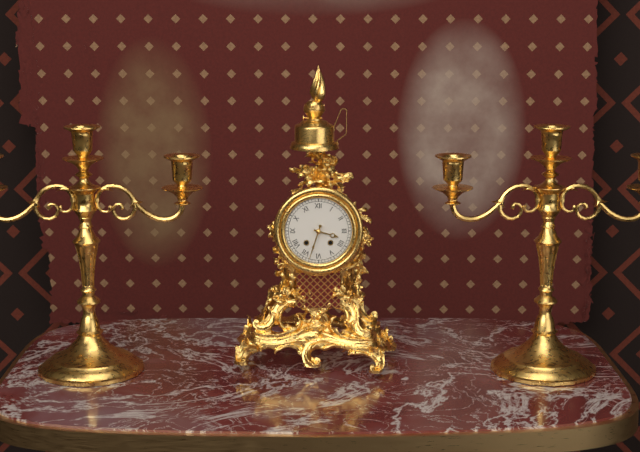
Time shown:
{"hour": 3, "minute": 33}
